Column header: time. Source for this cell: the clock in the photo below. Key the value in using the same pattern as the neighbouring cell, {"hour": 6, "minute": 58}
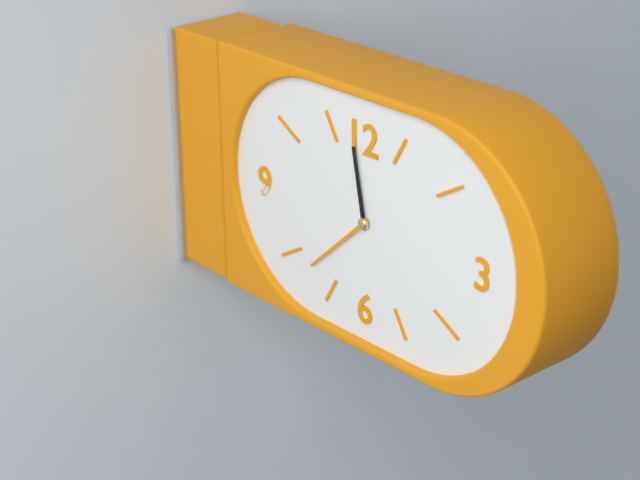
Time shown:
{"hour": 11, "minute": 38}
